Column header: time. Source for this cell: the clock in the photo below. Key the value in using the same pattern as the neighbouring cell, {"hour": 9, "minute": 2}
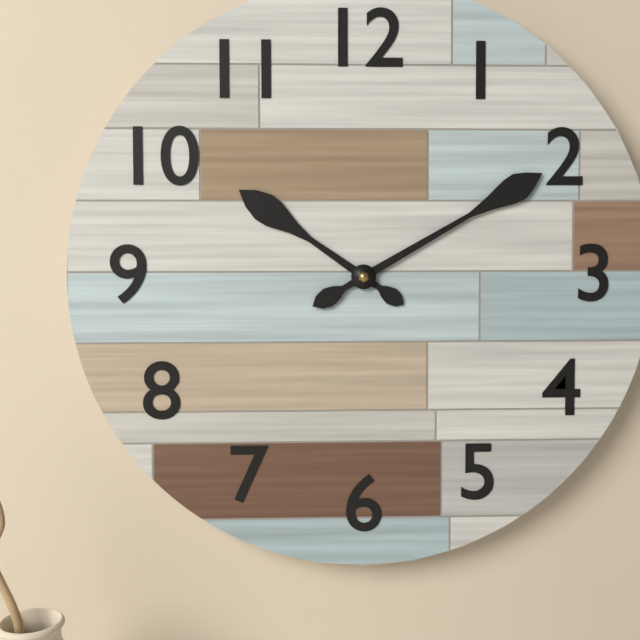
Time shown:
{"hour": 10, "minute": 10}
